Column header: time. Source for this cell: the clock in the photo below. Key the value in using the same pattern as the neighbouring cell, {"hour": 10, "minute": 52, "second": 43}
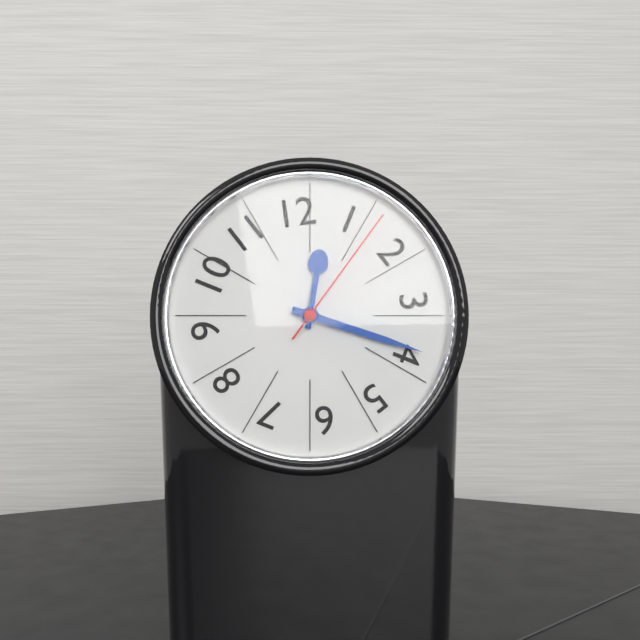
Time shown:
{"hour": 12, "minute": 18, "second": 6}
